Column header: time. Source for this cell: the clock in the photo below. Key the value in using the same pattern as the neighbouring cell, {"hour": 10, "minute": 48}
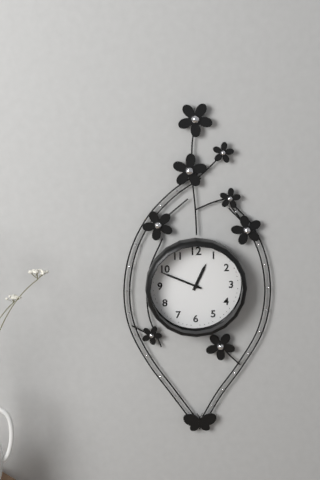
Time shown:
{"hour": 12, "minute": 49}
